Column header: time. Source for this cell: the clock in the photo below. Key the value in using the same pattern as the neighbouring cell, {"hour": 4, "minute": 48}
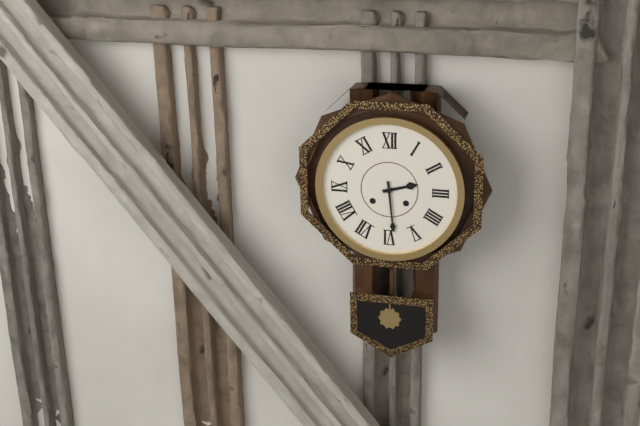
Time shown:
{"hour": 2, "minute": 29}
